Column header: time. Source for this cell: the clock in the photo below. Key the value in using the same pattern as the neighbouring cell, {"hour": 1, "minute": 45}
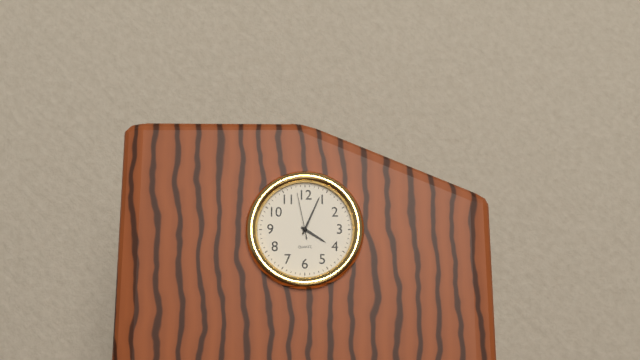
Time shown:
{"hour": 4, "minute": 4}
